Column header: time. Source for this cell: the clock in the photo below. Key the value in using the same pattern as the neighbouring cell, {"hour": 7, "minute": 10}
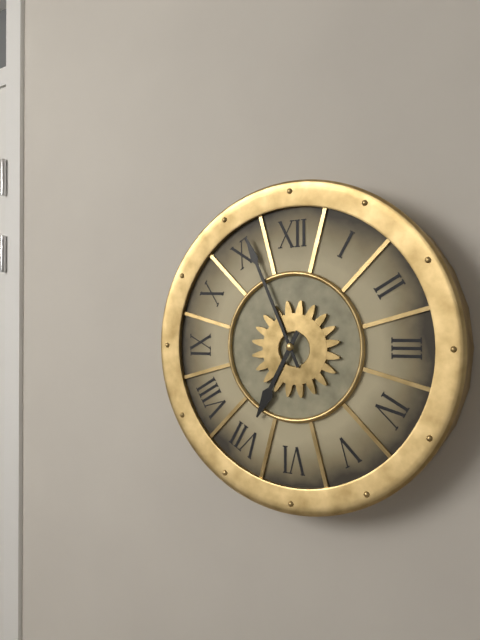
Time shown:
{"hour": 6, "minute": 56}
